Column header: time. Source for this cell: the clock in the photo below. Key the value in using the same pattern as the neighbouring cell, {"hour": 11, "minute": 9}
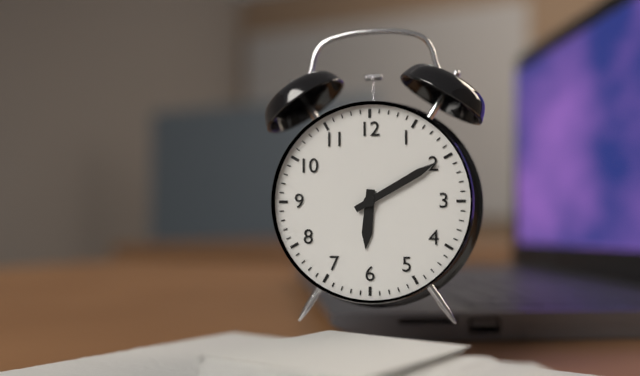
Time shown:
{"hour": 6, "minute": 10}
